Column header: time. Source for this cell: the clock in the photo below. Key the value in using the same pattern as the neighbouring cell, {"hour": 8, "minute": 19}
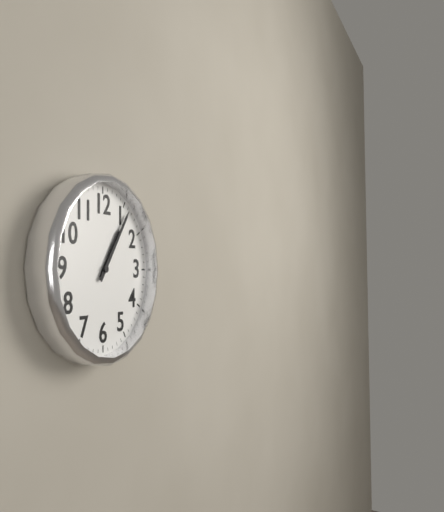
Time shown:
{"hour": 1, "minute": 6}
